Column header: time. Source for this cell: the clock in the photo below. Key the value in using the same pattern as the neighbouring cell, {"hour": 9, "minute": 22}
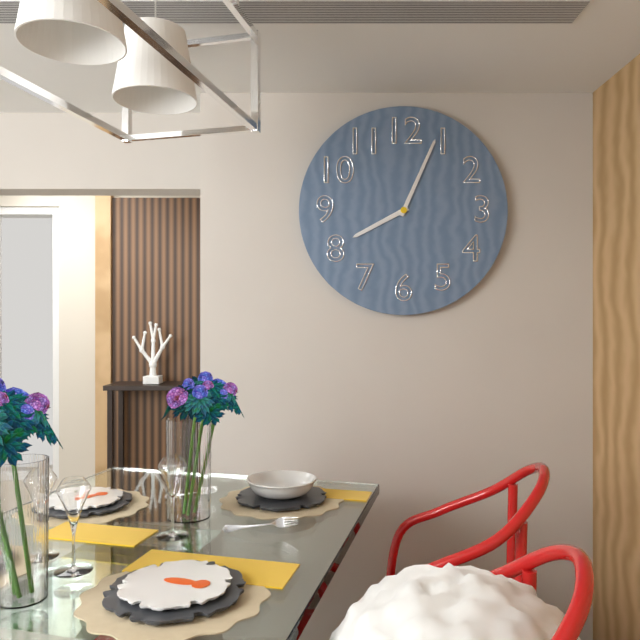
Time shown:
{"hour": 8, "minute": 4}
